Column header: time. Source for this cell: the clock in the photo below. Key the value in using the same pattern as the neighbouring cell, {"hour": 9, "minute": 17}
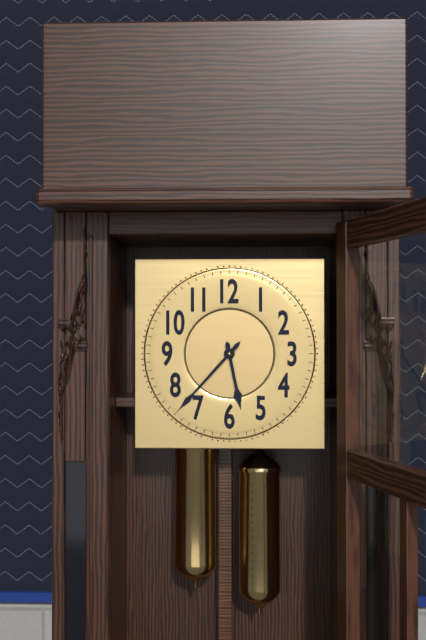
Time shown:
{"hour": 5, "minute": 37}
